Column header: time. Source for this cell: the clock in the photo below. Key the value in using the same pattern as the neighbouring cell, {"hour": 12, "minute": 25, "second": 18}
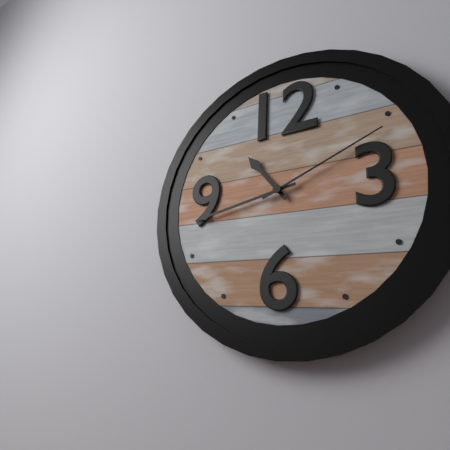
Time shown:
{"hour": 10, "minute": 43, "second": 11}
